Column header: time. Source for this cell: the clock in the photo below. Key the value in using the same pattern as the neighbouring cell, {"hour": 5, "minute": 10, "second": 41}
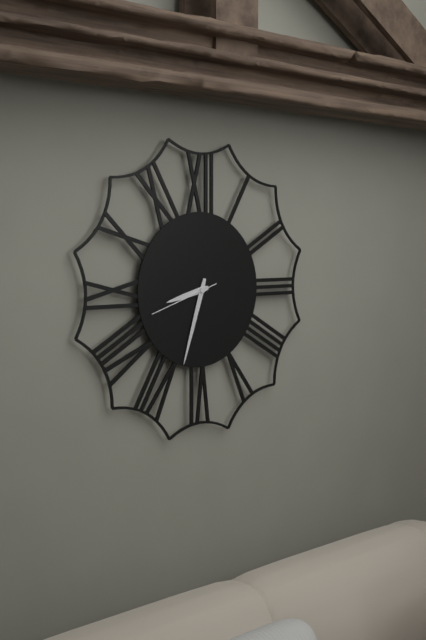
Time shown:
{"hour": 8, "minute": 33, "second": 42}
